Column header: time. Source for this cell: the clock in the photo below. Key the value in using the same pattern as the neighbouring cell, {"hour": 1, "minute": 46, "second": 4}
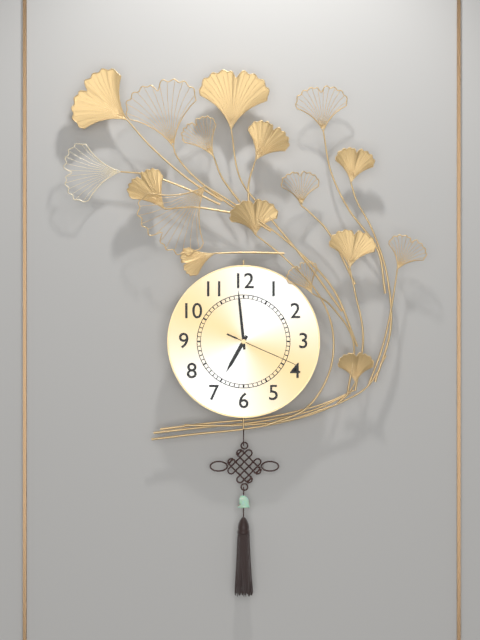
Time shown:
{"hour": 6, "minute": 59, "second": 19}
